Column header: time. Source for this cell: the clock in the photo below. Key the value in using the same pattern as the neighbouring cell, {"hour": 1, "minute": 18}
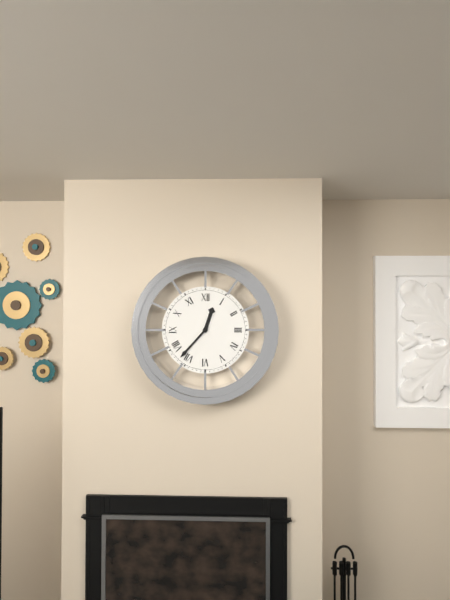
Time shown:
{"hour": 12, "minute": 37}
